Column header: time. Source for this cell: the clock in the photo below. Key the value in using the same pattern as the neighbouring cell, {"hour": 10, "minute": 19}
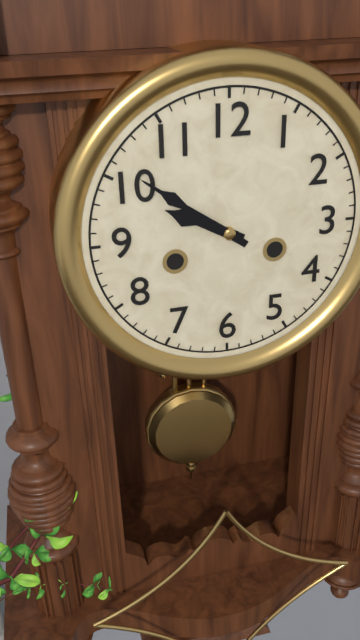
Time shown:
{"hour": 9, "minute": 51}
